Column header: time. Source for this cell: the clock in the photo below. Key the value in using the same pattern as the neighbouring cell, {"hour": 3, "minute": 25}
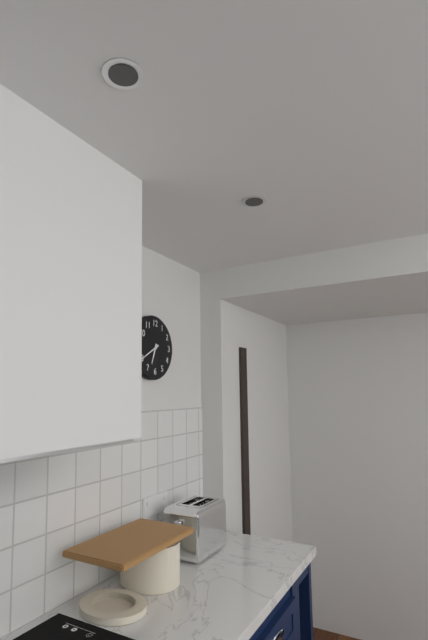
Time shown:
{"hour": 6, "minute": 40}
